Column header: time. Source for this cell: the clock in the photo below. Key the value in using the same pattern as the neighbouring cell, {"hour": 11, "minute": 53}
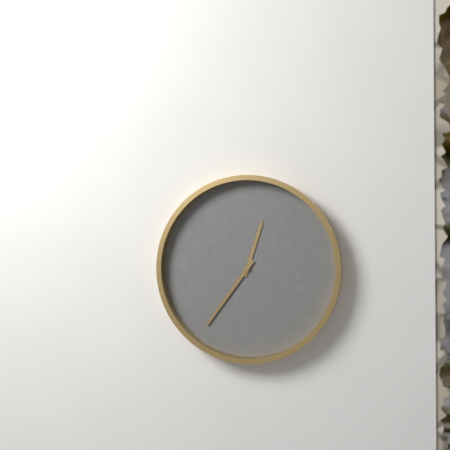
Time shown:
{"hour": 12, "minute": 36}
